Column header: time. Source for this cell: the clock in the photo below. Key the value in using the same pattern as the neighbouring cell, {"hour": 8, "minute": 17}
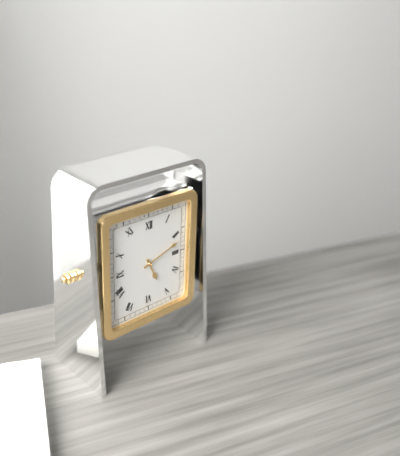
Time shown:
{"hour": 5, "minute": 12}
